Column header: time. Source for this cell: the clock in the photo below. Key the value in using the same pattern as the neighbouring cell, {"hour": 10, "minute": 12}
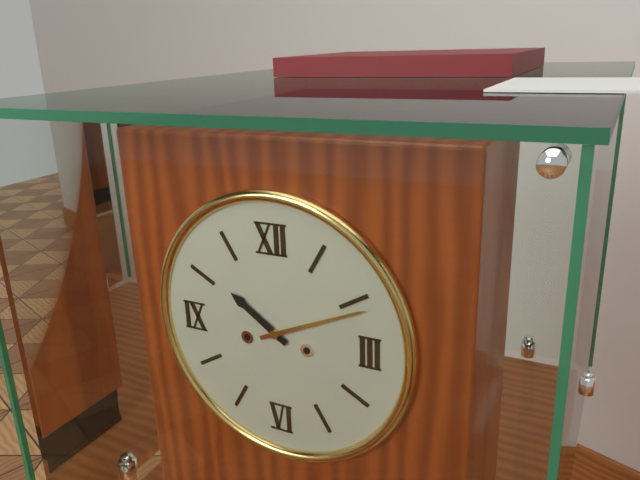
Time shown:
{"hour": 10, "minute": 11}
